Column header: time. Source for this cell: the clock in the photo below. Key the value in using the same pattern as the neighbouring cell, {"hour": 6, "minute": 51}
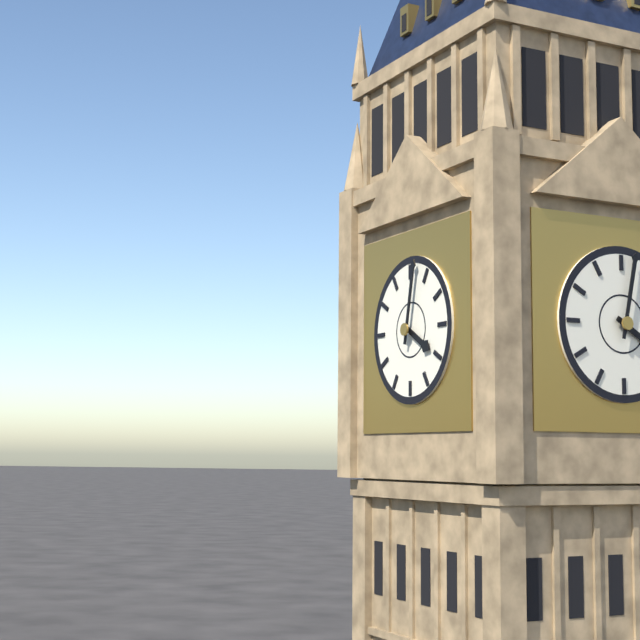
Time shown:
{"hour": 4, "minute": 2}
